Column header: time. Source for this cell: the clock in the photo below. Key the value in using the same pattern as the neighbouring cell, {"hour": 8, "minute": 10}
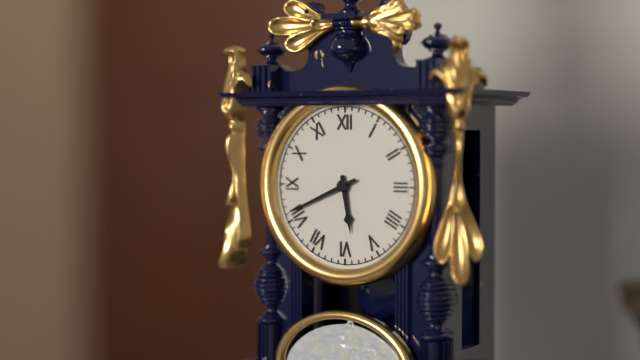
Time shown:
{"hour": 5, "minute": 41}
